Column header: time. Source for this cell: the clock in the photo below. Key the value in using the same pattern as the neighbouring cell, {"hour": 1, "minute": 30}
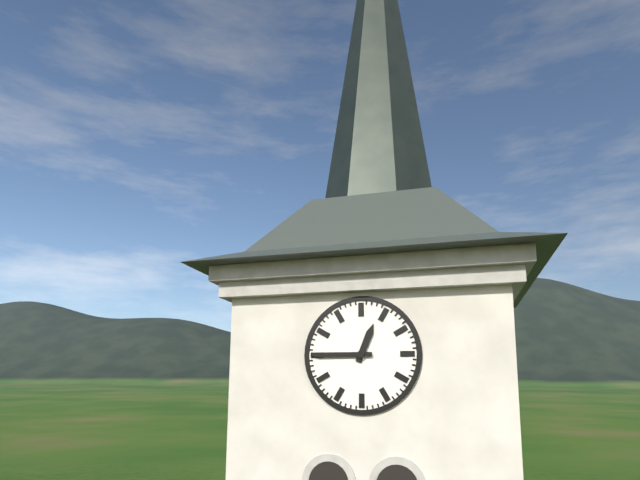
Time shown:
{"hour": 12, "minute": 45}
